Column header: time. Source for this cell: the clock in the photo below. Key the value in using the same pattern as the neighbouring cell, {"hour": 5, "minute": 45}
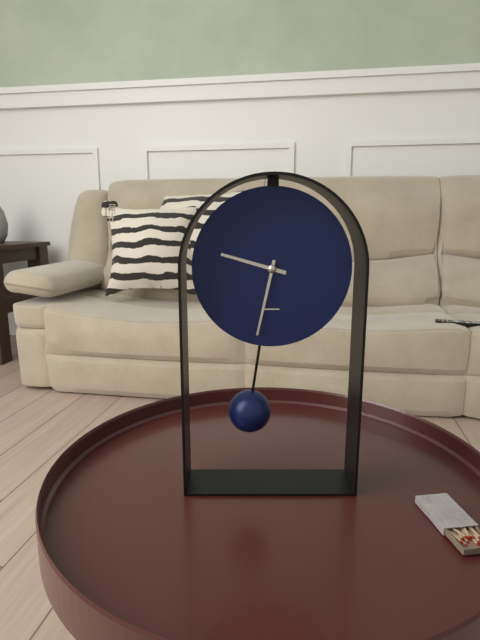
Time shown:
{"hour": 9, "minute": 32}
